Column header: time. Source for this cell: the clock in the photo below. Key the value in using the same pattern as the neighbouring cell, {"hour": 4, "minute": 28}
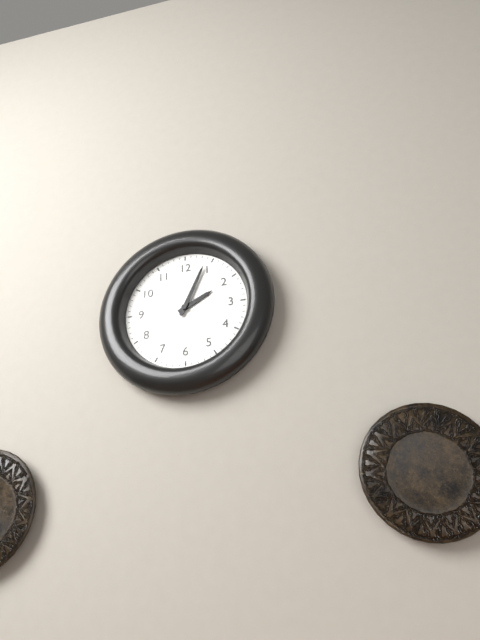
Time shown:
{"hour": 2, "minute": 4}
